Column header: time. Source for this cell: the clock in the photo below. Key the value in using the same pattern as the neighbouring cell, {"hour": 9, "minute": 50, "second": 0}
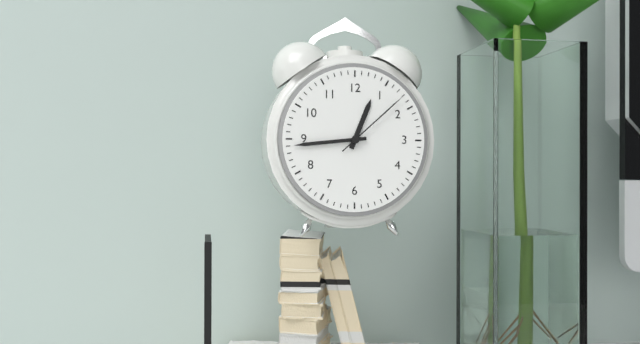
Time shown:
{"hour": 12, "minute": 44, "second": 8}
